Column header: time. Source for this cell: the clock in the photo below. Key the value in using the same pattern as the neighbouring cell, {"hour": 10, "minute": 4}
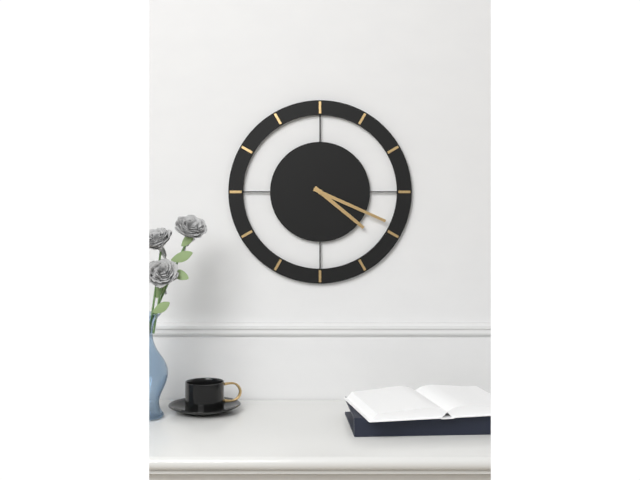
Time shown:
{"hour": 4, "minute": 19}
